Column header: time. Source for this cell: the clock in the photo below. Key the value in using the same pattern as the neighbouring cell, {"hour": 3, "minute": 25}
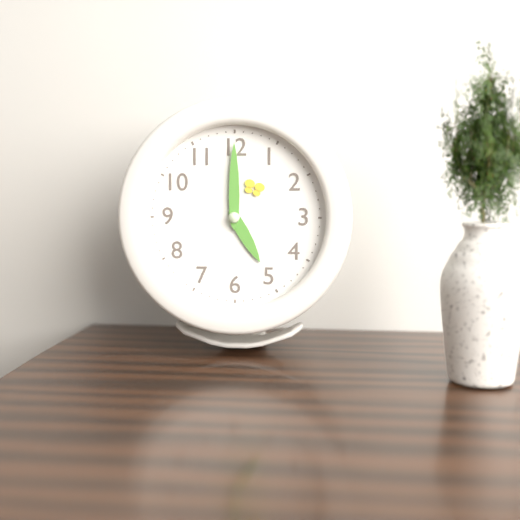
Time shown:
{"hour": 5, "minute": 0}
